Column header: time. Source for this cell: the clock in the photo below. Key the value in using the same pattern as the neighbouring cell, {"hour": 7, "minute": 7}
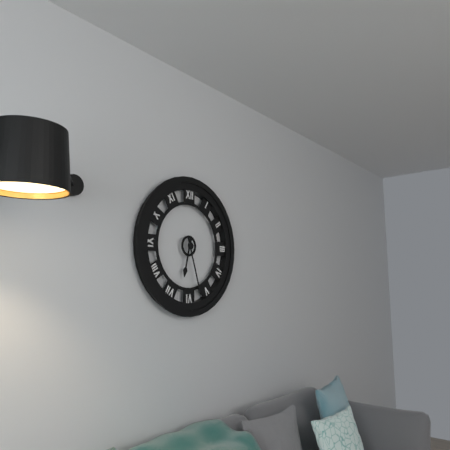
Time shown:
{"hour": 6, "minute": 27}
